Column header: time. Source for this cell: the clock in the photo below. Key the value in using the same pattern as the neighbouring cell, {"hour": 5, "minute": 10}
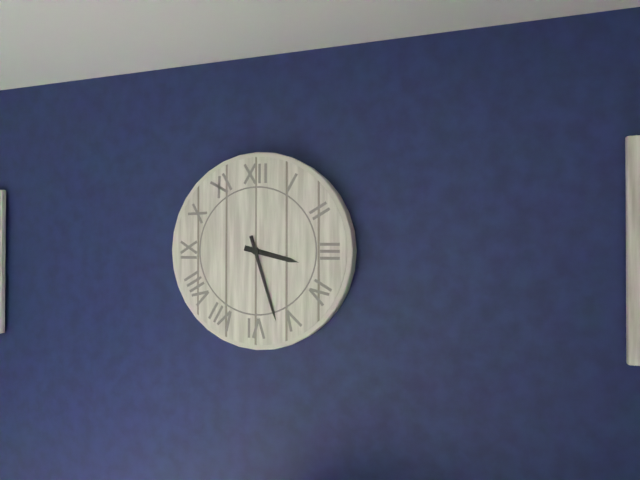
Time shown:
{"hour": 3, "minute": 27}
